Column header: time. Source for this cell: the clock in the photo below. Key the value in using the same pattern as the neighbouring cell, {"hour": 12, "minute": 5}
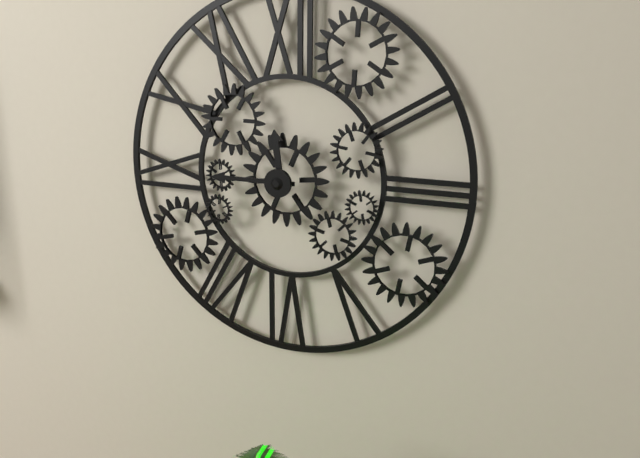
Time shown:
{"hour": 11, "minute": 45}
